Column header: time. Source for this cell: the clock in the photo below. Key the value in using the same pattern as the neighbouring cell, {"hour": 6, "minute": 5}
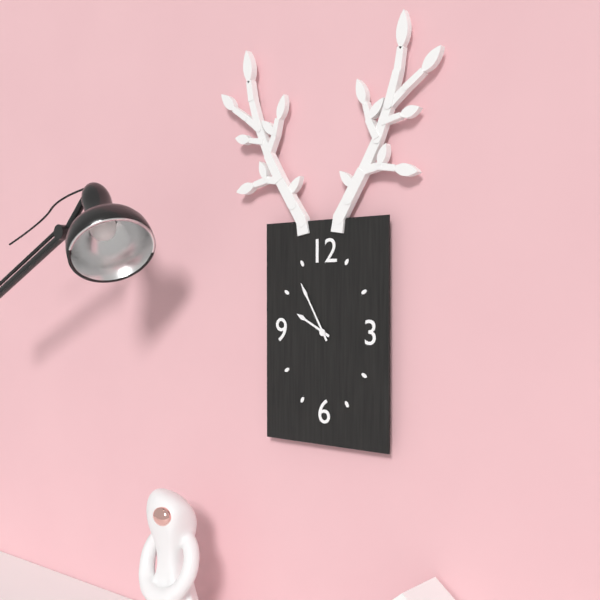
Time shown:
{"hour": 9, "minute": 55}
